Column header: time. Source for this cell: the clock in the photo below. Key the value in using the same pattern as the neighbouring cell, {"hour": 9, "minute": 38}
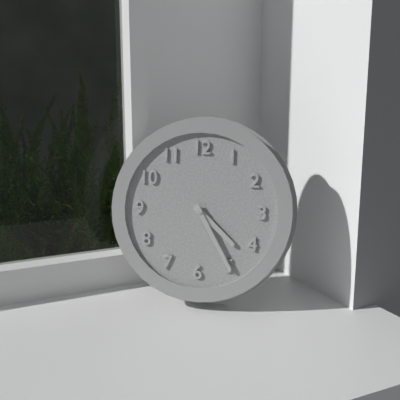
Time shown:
{"hour": 4, "minute": 25}
